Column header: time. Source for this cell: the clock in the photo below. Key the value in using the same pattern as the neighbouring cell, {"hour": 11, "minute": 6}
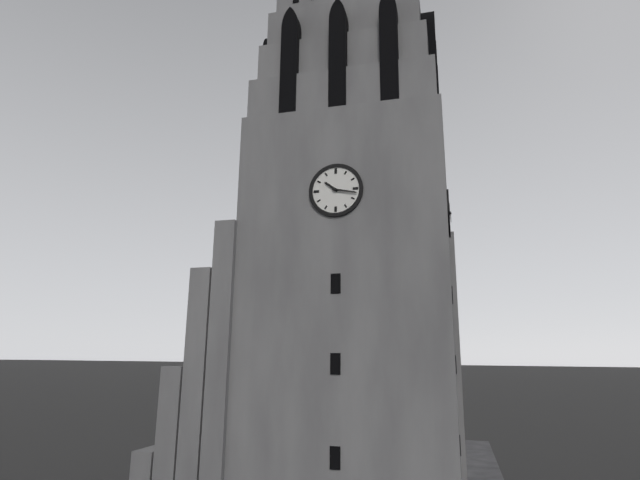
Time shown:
{"hour": 10, "minute": 17}
